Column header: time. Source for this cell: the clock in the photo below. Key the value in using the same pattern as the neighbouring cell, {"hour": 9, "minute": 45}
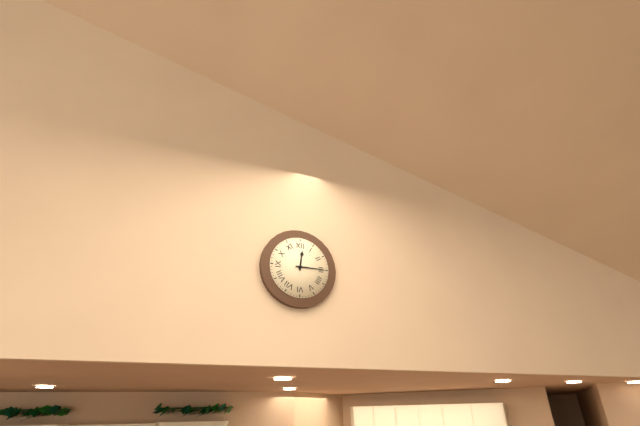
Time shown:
{"hour": 12, "minute": 15}
